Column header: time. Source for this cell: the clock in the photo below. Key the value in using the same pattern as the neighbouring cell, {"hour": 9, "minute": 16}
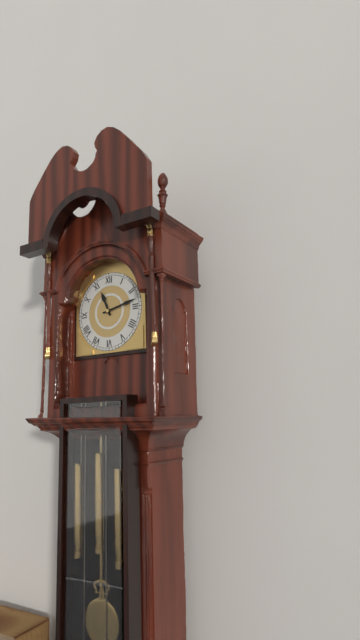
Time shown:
{"hour": 11, "minute": 13}
